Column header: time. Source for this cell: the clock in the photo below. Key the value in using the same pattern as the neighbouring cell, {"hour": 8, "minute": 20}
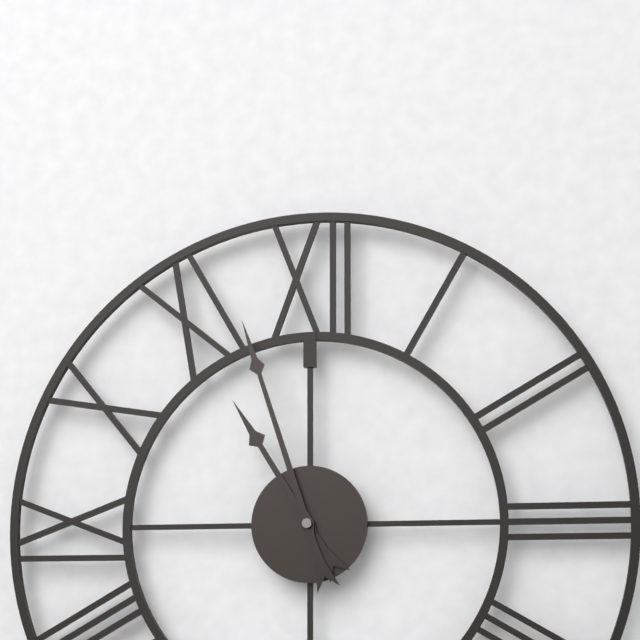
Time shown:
{"hour": 10, "minute": 57}
